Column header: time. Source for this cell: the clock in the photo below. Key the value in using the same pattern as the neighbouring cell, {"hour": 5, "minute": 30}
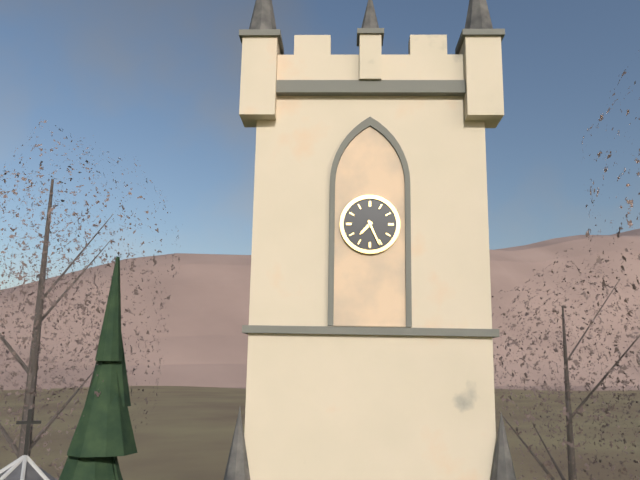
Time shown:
{"hour": 7, "minute": 26}
